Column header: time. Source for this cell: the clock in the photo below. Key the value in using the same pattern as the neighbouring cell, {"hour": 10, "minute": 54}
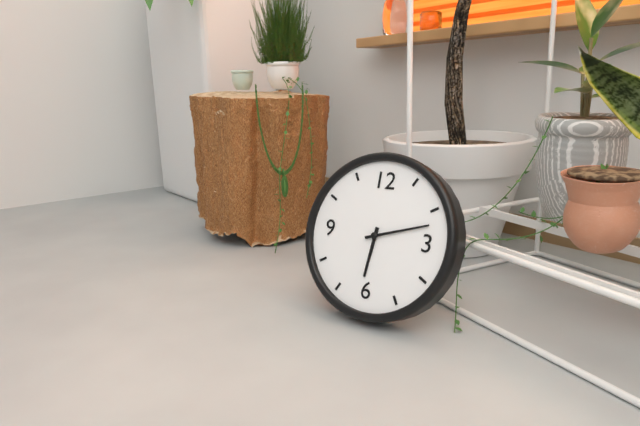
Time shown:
{"hour": 6, "minute": 12}
